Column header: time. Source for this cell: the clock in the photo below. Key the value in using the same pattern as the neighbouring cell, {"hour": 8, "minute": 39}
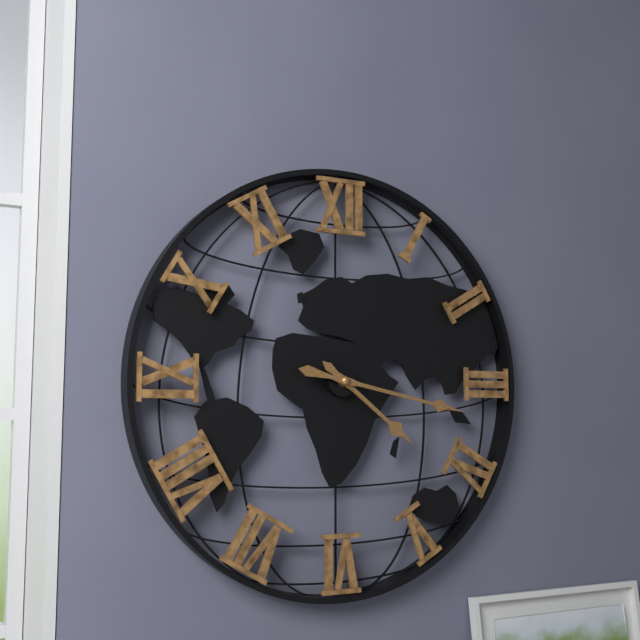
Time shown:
{"hour": 4, "minute": 17}
